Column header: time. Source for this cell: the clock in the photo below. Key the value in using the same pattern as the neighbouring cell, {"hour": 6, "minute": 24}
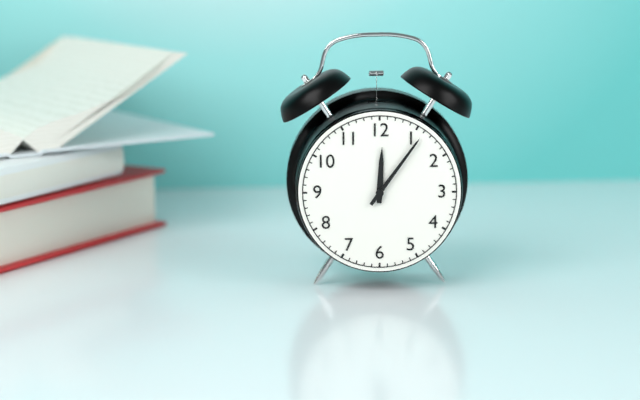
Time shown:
{"hour": 12, "minute": 6}
